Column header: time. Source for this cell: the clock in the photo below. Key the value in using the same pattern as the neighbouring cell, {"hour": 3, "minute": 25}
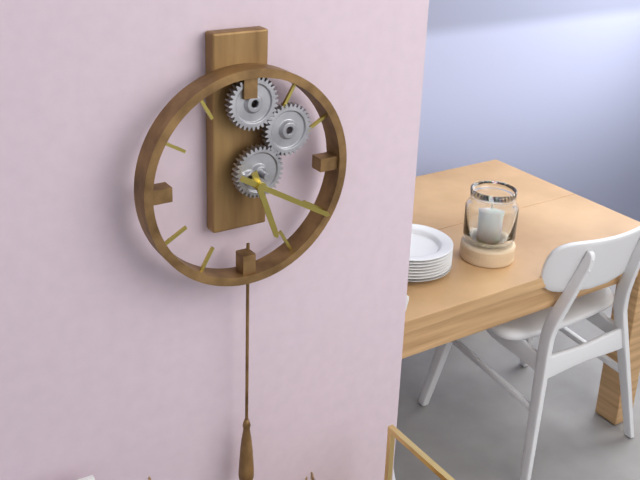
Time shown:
{"hour": 5, "minute": 20}
